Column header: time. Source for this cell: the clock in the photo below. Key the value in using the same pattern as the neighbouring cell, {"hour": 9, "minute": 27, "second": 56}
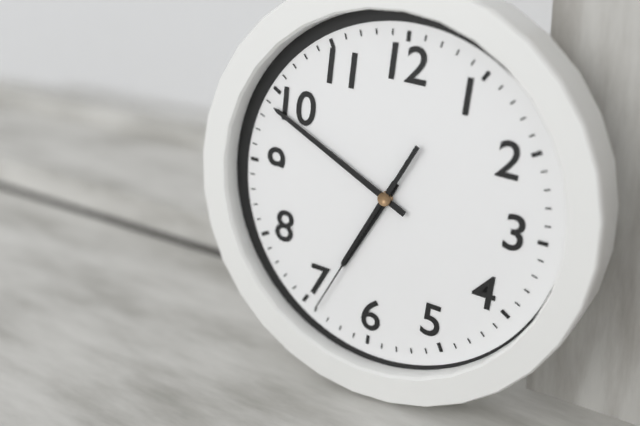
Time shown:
{"hour": 6, "minute": 49, "second": 34}
